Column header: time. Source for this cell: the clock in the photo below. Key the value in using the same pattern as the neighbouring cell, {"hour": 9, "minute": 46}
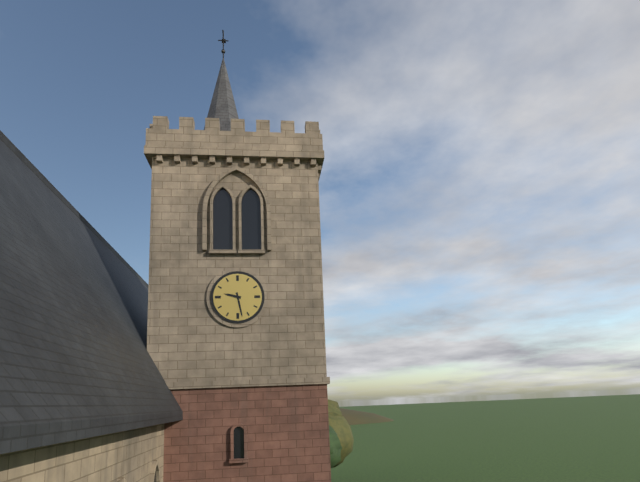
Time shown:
{"hour": 9, "minute": 28}
